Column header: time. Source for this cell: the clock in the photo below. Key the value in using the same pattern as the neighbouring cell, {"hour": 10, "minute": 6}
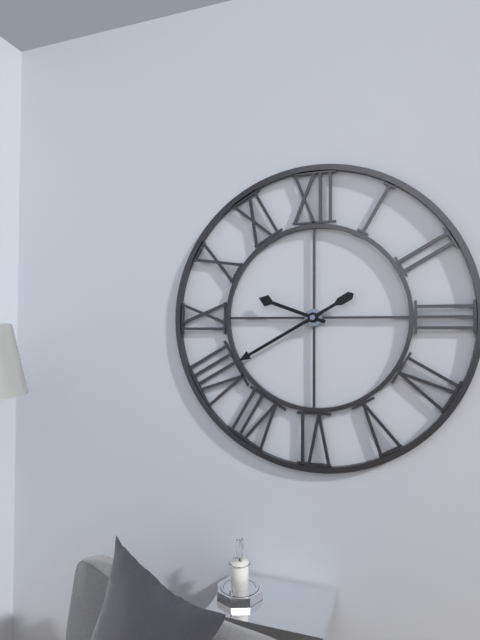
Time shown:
{"hour": 9, "minute": 40}
